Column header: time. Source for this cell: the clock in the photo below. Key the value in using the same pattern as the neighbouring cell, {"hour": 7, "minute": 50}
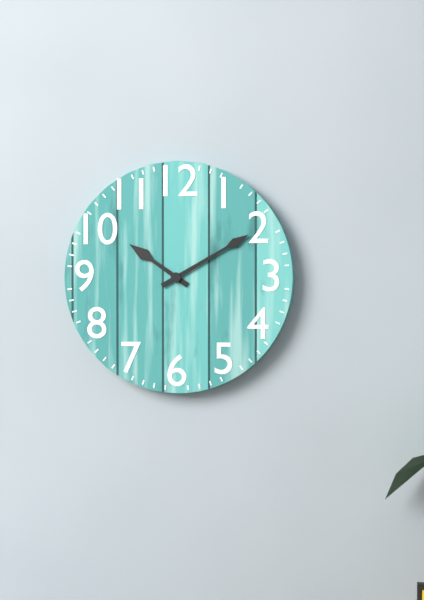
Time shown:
{"hour": 10, "minute": 10}
